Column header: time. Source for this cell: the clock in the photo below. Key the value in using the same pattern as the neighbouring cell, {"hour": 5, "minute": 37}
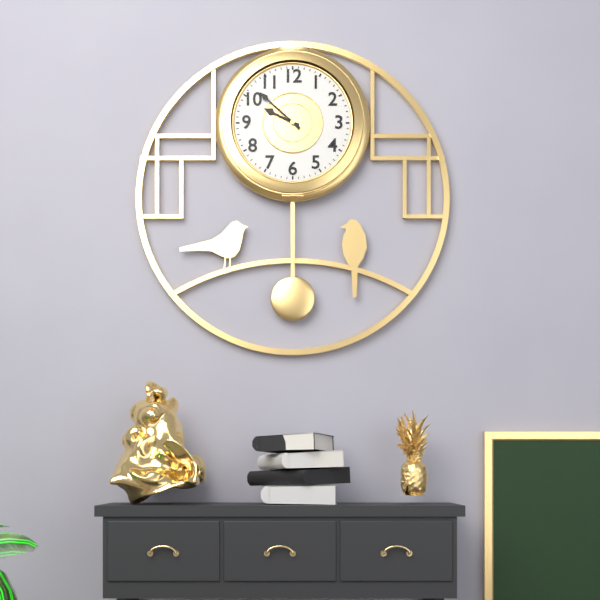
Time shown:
{"hour": 9, "minute": 52}
